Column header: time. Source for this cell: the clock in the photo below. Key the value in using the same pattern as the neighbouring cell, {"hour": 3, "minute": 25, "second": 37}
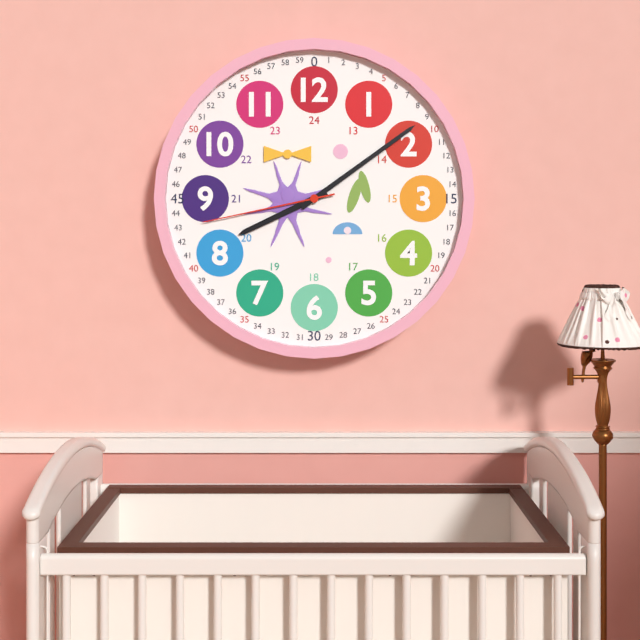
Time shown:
{"hour": 8, "minute": 9, "second": 43}
